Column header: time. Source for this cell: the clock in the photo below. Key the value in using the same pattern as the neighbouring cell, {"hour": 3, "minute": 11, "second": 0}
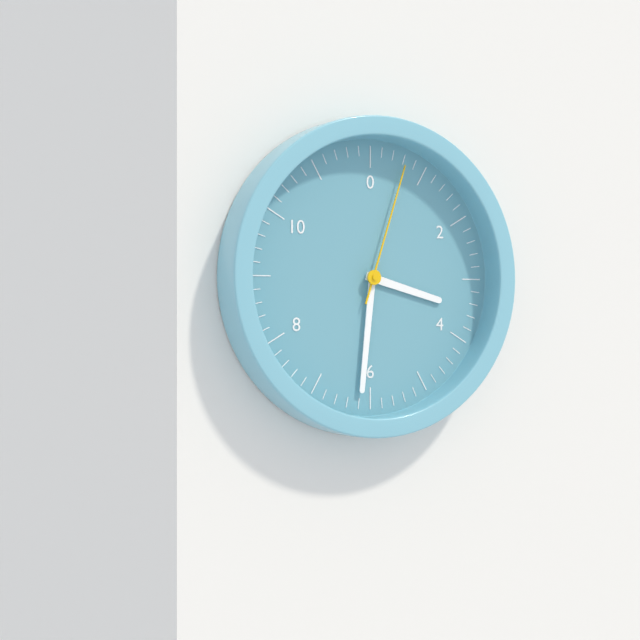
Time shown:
{"hour": 3, "minute": 31, "second": 3}
